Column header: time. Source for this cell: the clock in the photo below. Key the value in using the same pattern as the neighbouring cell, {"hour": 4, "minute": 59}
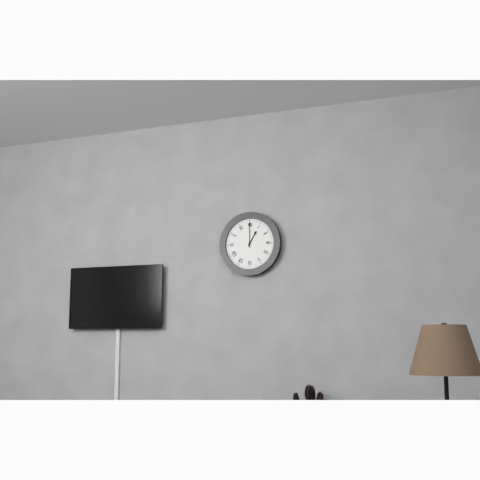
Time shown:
{"hour": 1, "minute": 0}
